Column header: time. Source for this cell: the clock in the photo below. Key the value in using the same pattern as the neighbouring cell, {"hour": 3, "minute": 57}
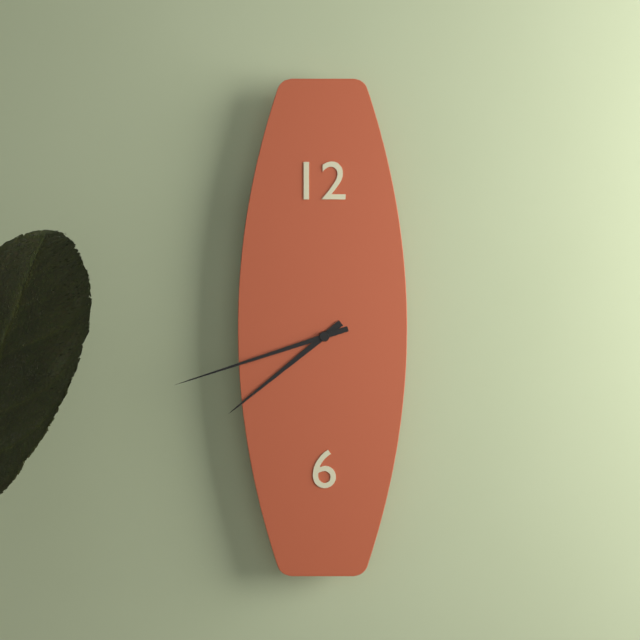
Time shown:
{"hour": 7, "minute": 42}
